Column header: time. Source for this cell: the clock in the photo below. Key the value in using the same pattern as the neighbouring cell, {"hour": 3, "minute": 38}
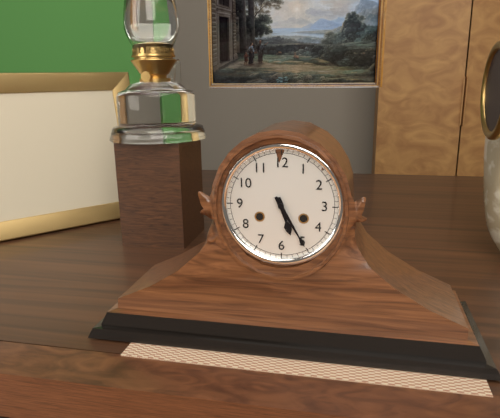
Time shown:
{"hour": 5, "minute": 25}
